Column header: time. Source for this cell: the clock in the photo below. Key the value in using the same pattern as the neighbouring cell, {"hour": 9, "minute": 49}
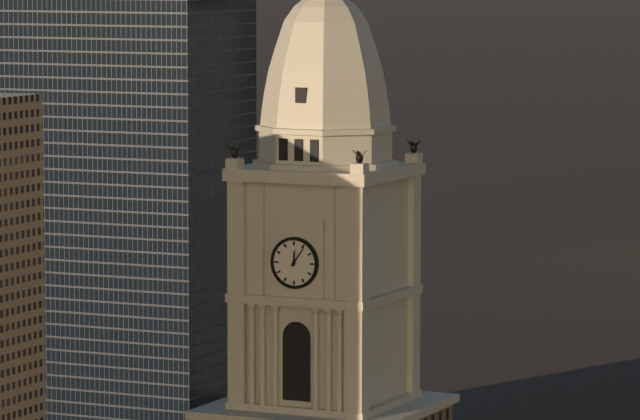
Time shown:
{"hour": 12, "minute": 6}
